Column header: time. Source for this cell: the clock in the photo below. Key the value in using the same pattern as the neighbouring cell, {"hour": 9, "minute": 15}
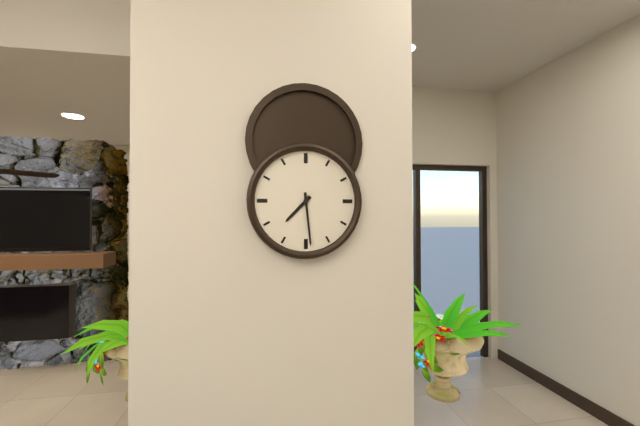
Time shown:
{"hour": 7, "minute": 29}
